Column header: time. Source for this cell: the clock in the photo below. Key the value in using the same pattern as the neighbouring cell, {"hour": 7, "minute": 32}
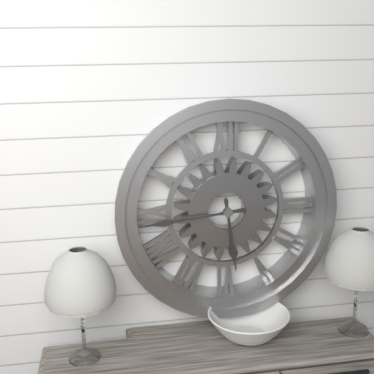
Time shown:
{"hour": 5, "minute": 44}
